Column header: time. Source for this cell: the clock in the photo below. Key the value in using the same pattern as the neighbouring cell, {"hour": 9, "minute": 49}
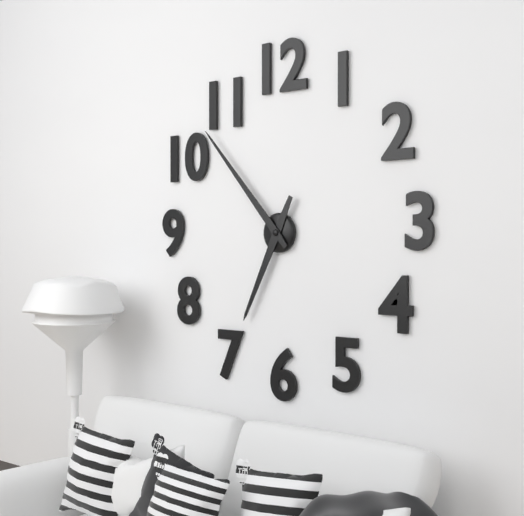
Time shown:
{"hour": 6, "minute": 53}
